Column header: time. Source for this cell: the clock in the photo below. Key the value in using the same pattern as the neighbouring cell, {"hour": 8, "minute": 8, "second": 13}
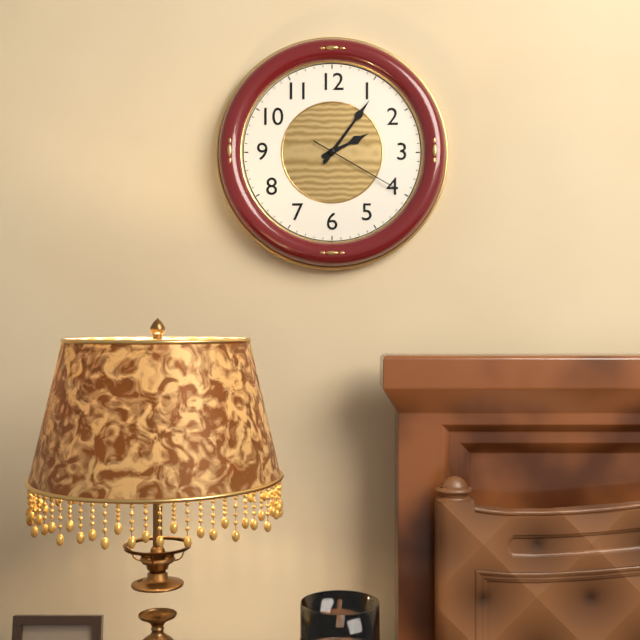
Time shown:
{"hour": 2, "minute": 6, "second": 20}
